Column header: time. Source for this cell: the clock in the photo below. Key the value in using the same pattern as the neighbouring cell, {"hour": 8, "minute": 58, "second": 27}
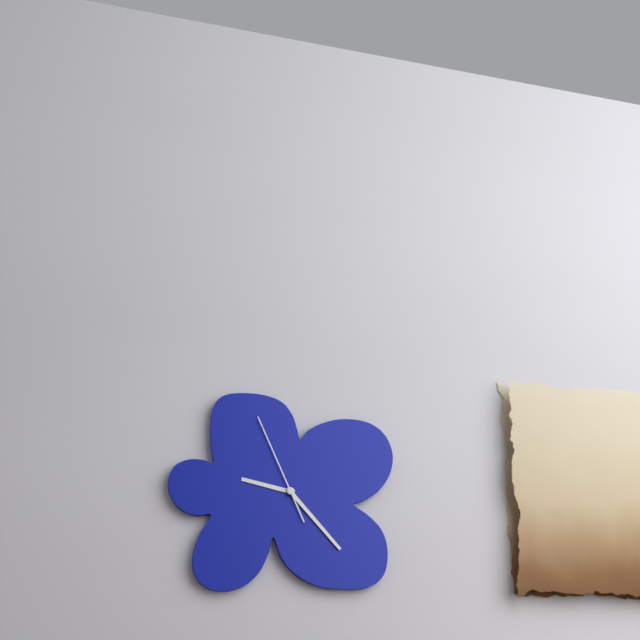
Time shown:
{"hour": 9, "minute": 23, "second": 56}
